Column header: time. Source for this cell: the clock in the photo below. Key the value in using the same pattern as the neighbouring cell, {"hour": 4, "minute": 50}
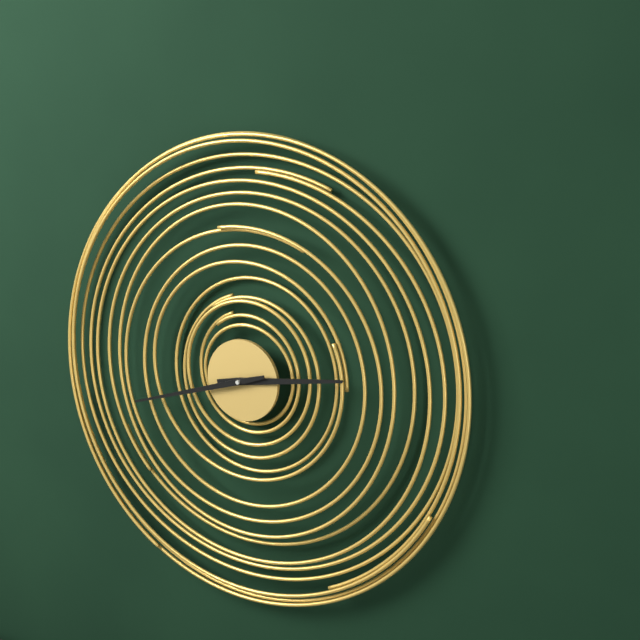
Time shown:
{"hour": 2, "minute": 42}
